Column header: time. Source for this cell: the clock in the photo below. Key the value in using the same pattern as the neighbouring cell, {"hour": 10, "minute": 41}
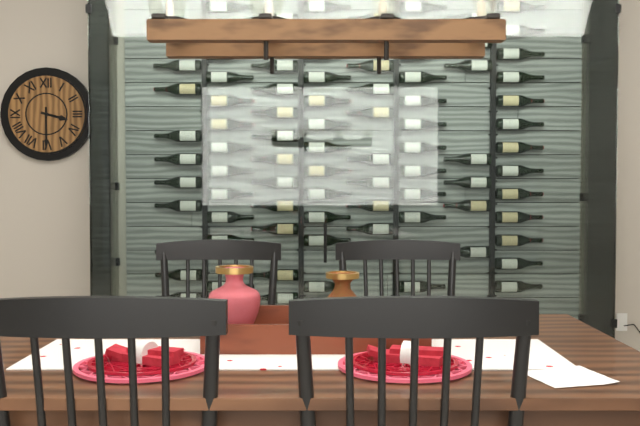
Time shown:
{"hour": 3, "minute": 30}
